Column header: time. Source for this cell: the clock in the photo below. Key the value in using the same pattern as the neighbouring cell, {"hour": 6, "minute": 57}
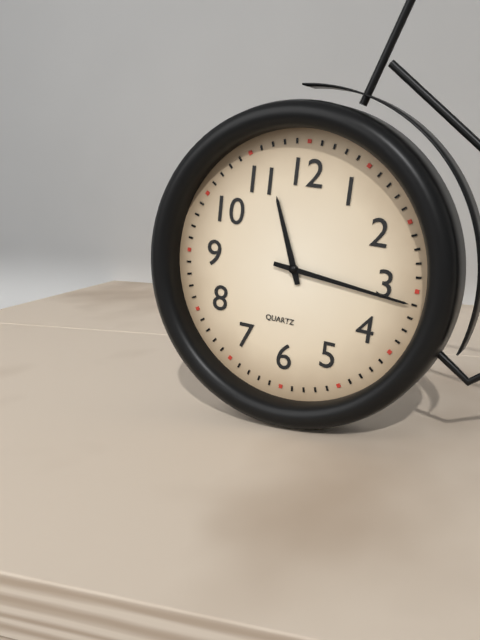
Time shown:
{"hour": 11, "minute": 16}
